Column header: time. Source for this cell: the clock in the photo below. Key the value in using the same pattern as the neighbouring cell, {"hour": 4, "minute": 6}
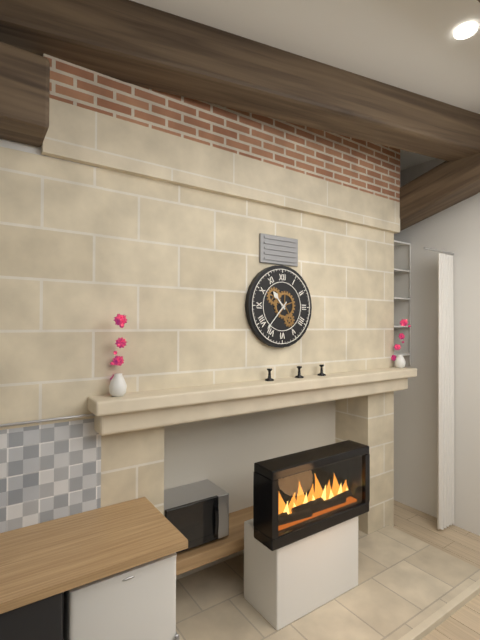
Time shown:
{"hour": 10, "minute": 37}
